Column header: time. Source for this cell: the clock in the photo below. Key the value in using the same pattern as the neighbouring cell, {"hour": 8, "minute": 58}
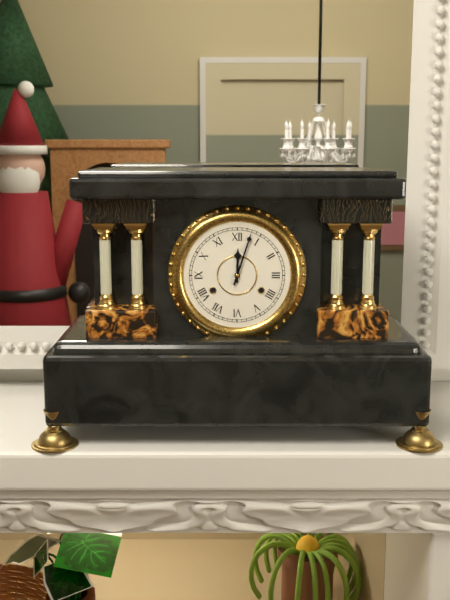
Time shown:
{"hour": 12, "minute": 3}
